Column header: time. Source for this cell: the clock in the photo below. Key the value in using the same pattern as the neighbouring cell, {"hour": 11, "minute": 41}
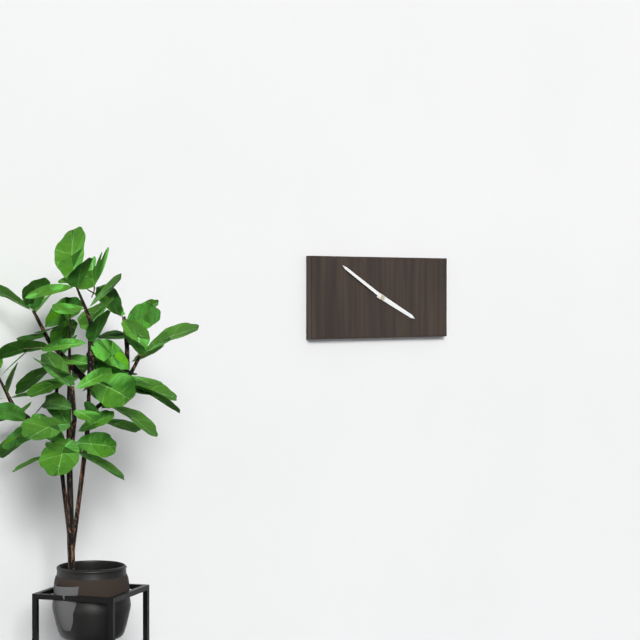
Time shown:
{"hour": 3, "minute": 50}
